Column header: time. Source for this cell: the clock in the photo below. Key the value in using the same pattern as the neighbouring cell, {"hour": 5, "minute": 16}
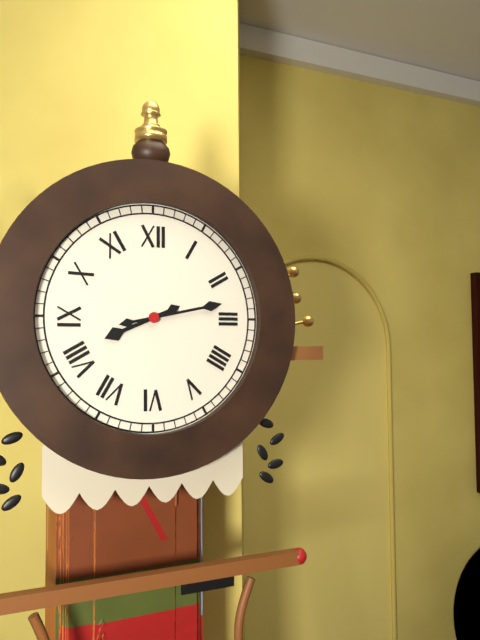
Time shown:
{"hour": 8, "minute": 13}
